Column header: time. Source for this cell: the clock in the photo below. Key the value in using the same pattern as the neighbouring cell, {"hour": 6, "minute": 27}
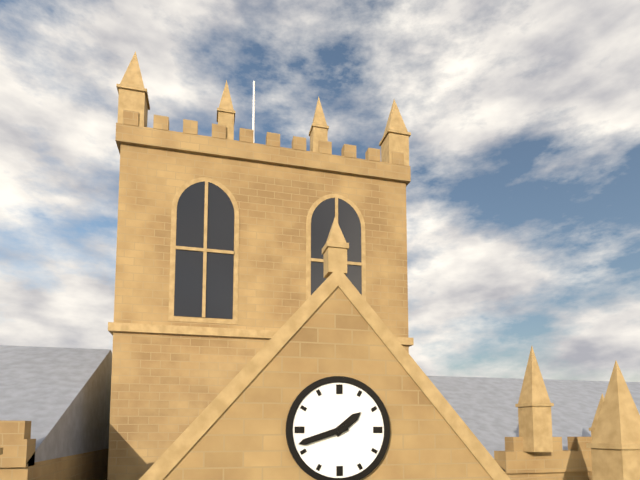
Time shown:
{"hour": 1, "minute": 42}
